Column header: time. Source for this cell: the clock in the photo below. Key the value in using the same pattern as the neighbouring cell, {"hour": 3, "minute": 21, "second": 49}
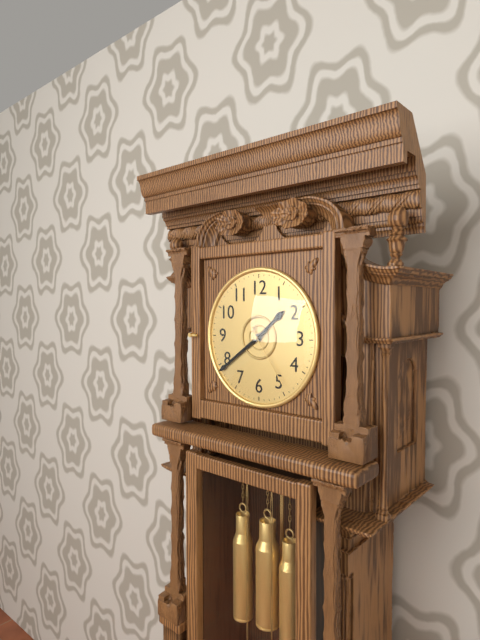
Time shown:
{"hour": 1, "minute": 39, "second": 24}
